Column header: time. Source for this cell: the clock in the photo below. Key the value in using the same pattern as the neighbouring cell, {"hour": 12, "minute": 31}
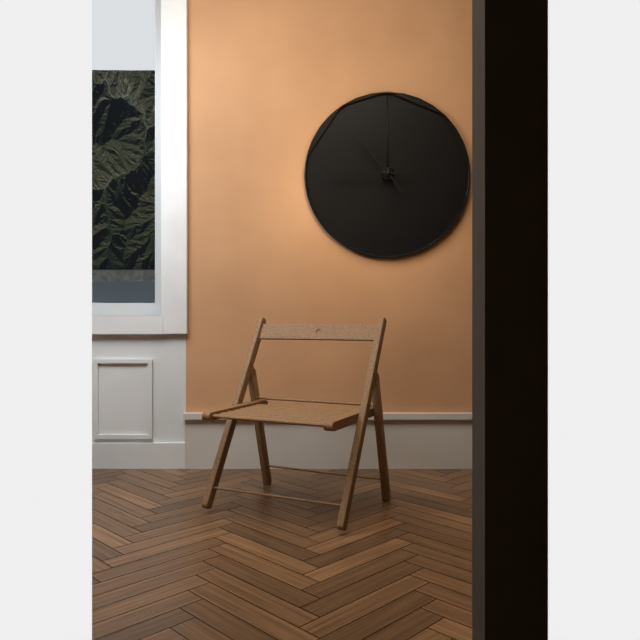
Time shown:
{"hour": 10, "minute": 45}
